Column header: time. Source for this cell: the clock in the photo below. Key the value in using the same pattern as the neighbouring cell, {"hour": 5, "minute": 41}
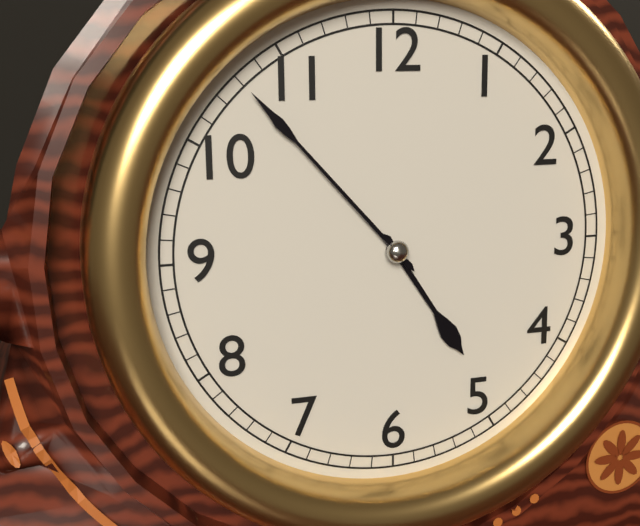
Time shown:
{"hour": 4, "minute": 53}
